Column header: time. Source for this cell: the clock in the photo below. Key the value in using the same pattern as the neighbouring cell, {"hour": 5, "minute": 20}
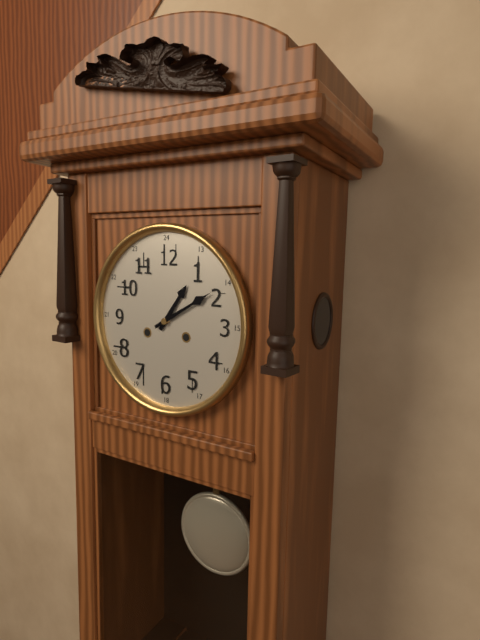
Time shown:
{"hour": 1, "minute": 10}
